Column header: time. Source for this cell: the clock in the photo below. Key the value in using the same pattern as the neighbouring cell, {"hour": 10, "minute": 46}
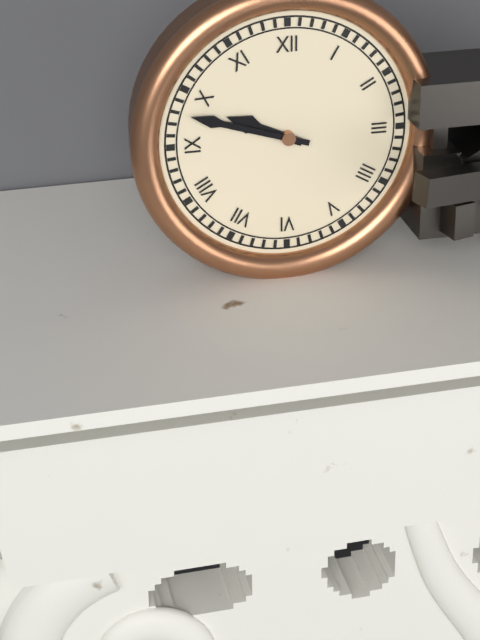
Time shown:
{"hour": 9, "minute": 48}
